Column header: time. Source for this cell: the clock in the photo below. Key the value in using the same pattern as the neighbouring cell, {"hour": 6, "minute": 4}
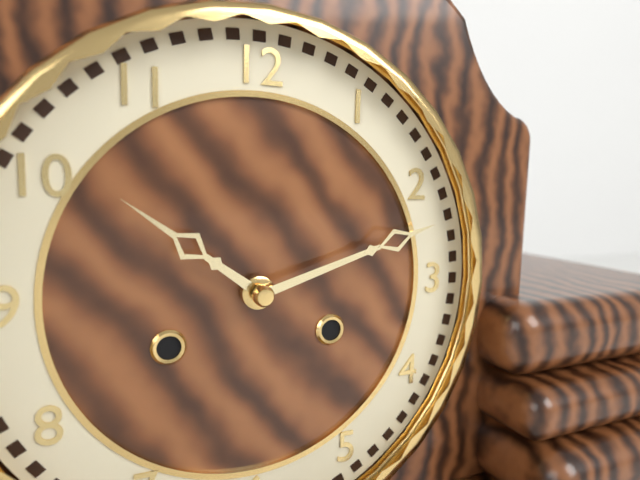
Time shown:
{"hour": 10, "minute": 12}
